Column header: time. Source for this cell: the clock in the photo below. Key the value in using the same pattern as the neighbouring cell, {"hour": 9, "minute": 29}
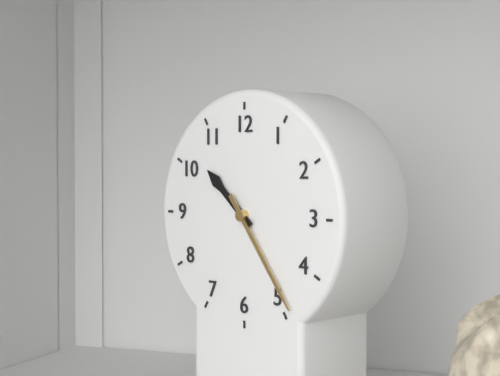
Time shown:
{"hour": 10, "minute": 24}
